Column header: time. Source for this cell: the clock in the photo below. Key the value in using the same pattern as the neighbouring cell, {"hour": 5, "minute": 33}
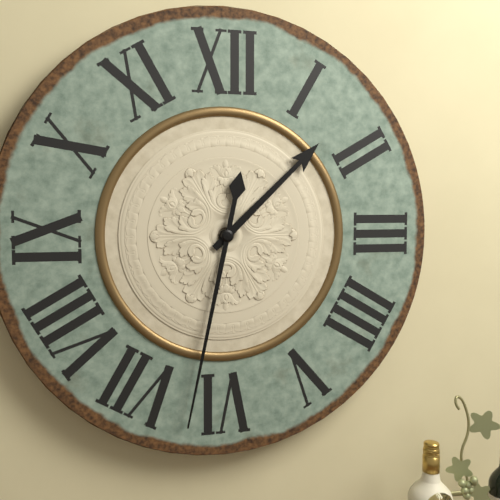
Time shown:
{"hour": 1, "minute": 32}
